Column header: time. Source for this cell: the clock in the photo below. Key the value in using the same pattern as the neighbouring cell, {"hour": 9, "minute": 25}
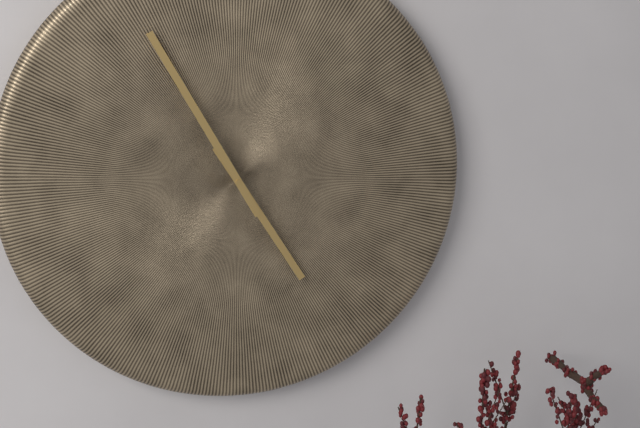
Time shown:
{"hour": 4, "minute": 55}
